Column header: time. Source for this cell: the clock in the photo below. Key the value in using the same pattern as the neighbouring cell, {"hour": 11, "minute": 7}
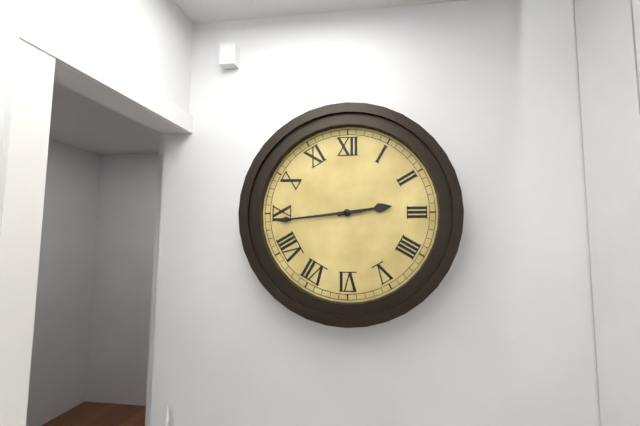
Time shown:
{"hour": 2, "minute": 44}
